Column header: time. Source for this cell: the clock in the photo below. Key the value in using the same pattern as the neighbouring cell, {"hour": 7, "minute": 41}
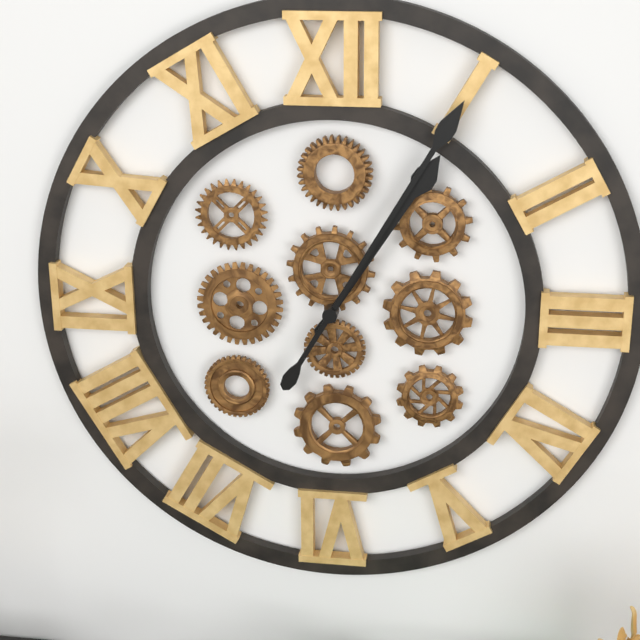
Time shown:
{"hour": 1, "minute": 5}
